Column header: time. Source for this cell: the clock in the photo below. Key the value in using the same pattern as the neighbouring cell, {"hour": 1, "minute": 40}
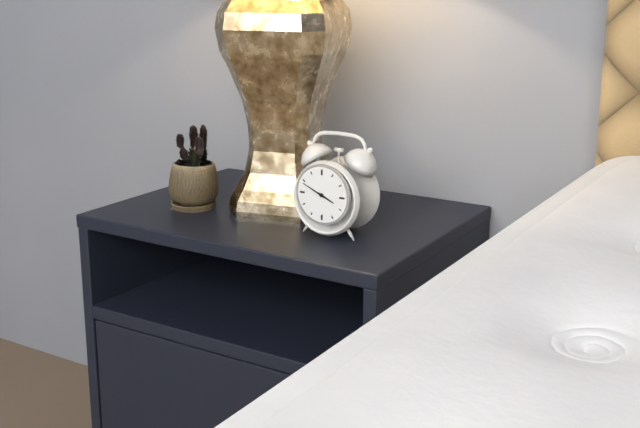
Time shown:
{"hour": 3, "minute": 49}
